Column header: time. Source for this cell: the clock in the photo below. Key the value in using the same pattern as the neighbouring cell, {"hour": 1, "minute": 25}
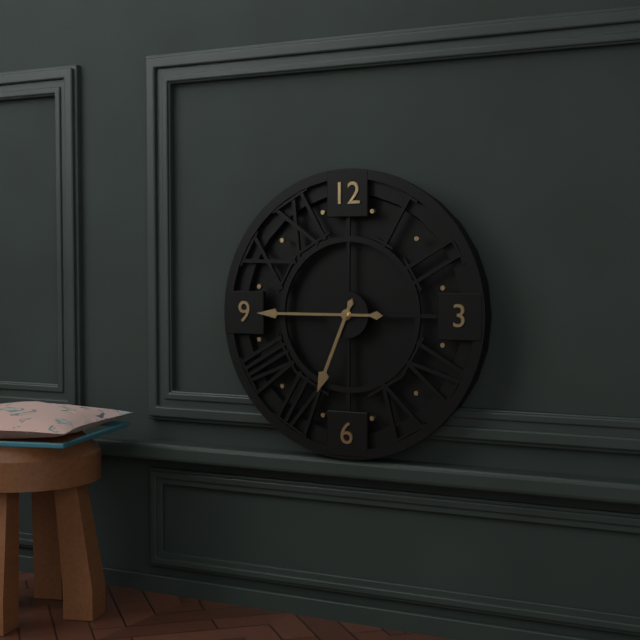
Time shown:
{"hour": 6, "minute": 45}
